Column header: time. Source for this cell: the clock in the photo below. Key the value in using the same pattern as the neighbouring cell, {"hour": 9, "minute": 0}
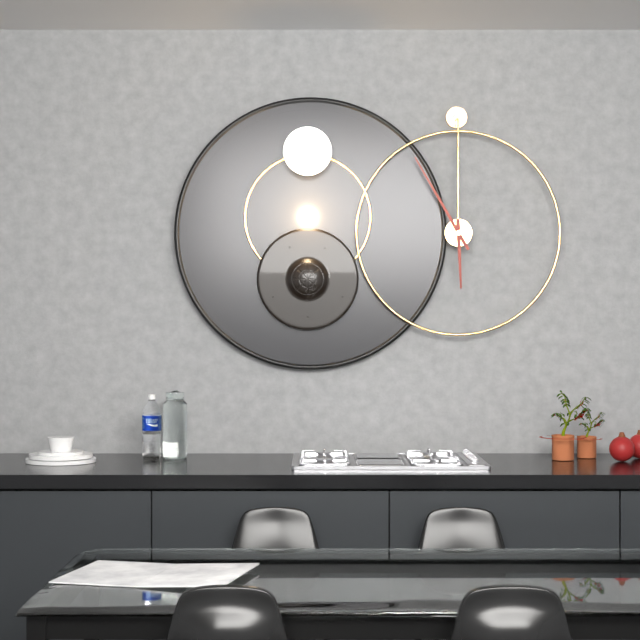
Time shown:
{"hour": 5, "minute": 55}
